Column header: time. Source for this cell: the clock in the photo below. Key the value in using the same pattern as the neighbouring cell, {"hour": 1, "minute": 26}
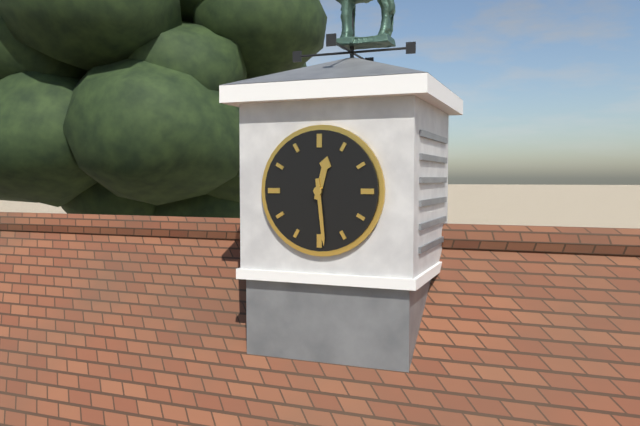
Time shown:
{"hour": 12, "minute": 29}
